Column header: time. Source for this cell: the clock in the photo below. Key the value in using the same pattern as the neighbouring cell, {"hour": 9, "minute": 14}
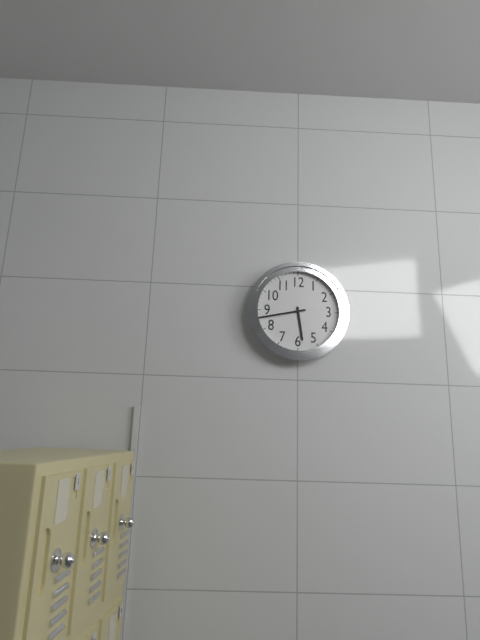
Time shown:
{"hour": 5, "minute": 43}
